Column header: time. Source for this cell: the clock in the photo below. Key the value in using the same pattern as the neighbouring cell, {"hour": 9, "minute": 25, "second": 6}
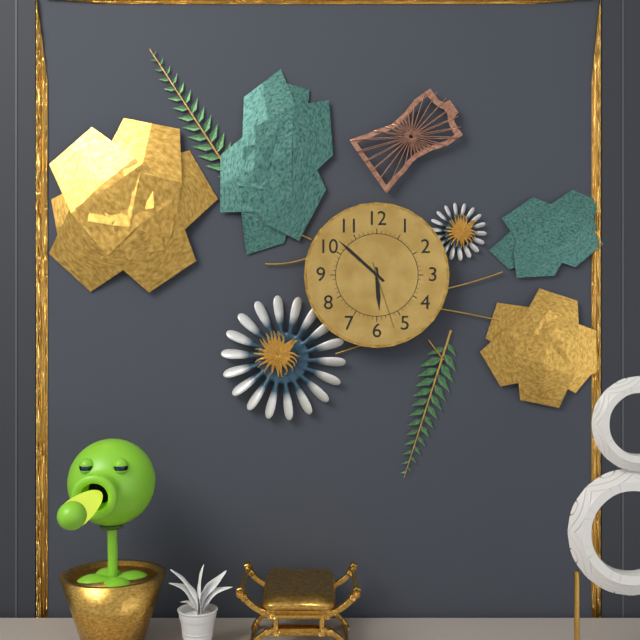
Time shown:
{"hour": 5, "minute": 52, "second": 27}
